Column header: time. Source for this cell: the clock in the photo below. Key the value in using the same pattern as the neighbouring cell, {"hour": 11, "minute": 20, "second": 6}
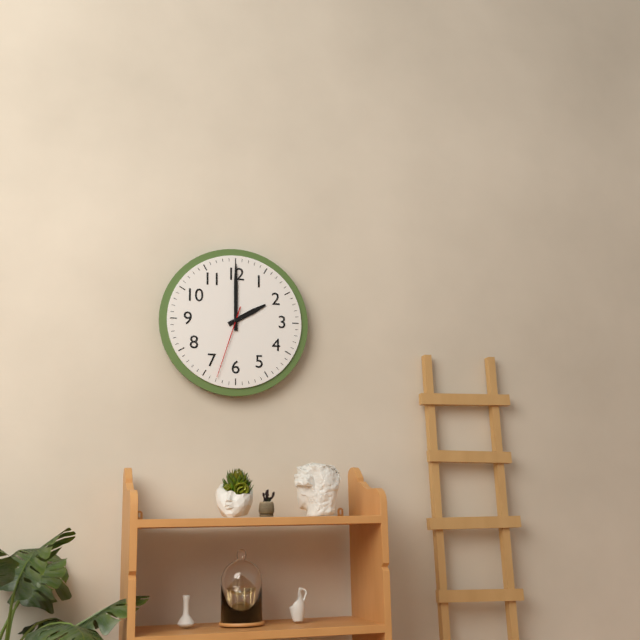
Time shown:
{"hour": 2, "minute": 0, "second": 33}
